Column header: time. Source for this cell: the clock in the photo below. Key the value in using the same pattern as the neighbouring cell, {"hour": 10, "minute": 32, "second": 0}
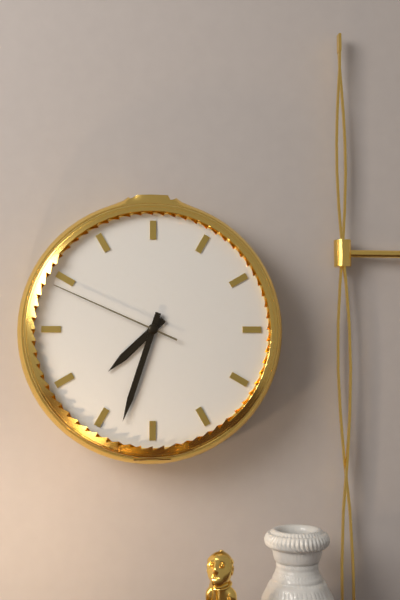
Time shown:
{"hour": 7, "minute": 33, "second": 49}
